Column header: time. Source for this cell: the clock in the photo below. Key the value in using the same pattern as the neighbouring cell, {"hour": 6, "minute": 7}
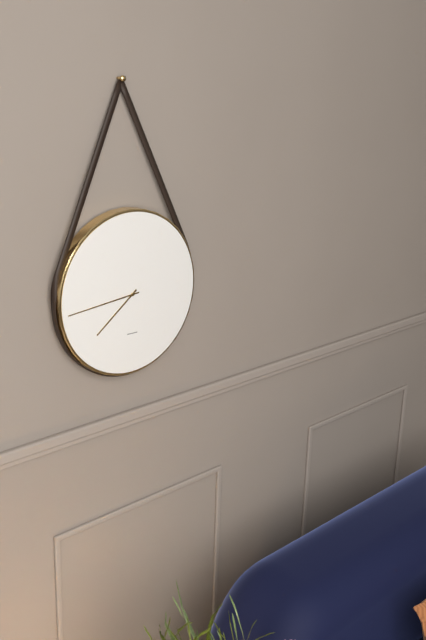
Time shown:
{"hour": 7, "minute": 44}
